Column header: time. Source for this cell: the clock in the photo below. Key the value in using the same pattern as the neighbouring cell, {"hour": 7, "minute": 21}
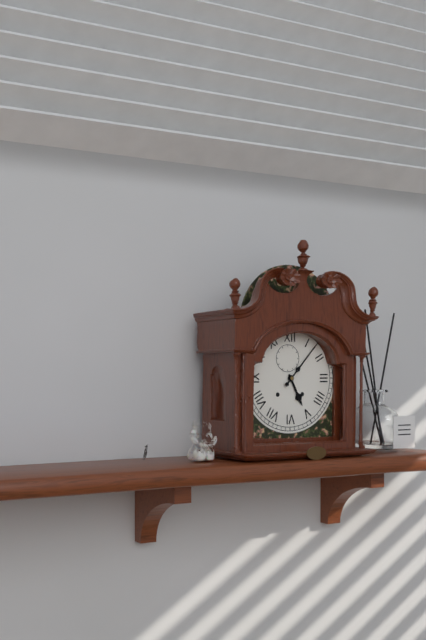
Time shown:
{"hour": 5, "minute": 7}
